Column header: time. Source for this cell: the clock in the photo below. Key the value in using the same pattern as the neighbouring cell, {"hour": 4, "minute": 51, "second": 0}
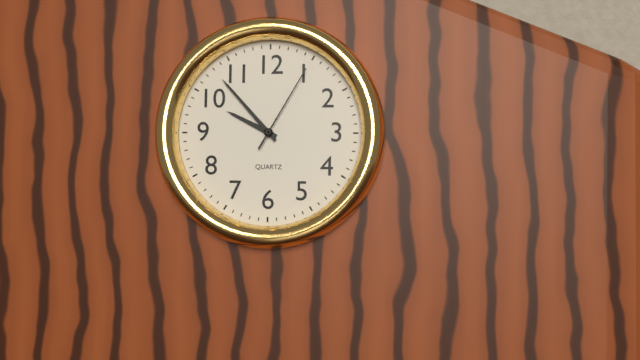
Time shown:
{"hour": 9, "minute": 53, "second": 5}
